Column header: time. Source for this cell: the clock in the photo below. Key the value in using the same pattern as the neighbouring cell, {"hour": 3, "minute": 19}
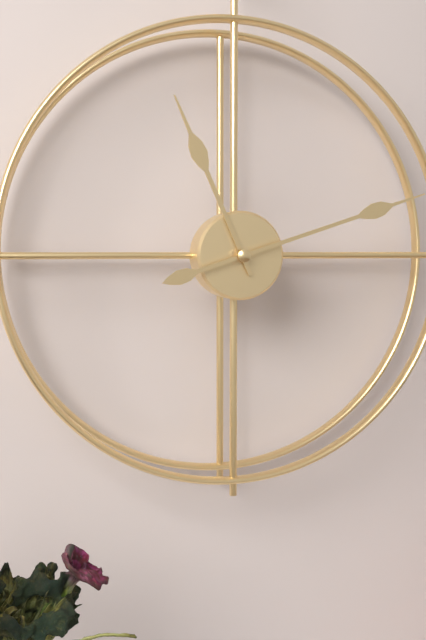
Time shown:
{"hour": 11, "minute": 12}
